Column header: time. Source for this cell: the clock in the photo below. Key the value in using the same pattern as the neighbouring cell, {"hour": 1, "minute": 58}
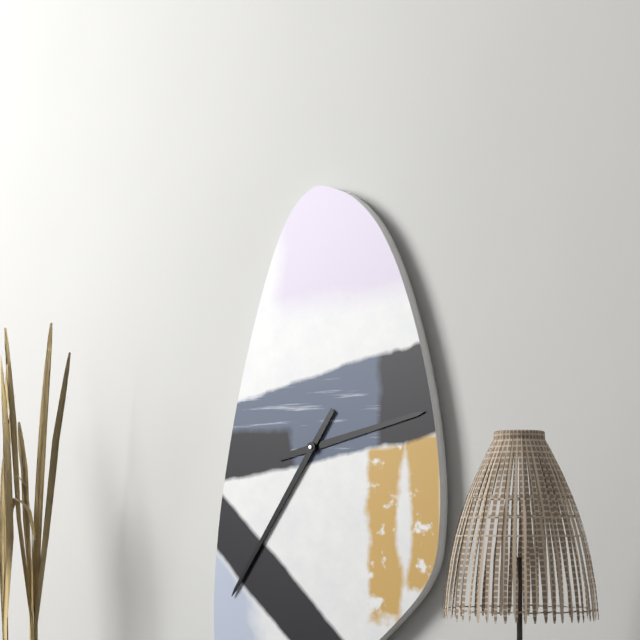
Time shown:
{"hour": 2, "minute": 36}
